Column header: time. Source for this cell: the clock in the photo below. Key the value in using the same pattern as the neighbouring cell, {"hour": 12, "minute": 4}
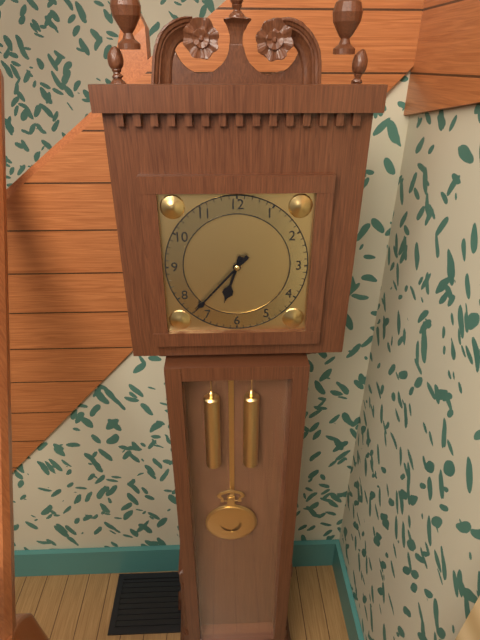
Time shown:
{"hour": 6, "minute": 37}
